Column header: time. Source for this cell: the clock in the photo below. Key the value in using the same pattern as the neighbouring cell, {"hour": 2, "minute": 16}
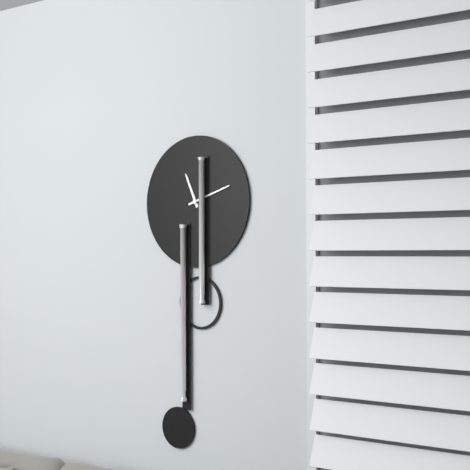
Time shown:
{"hour": 11, "minute": 12}
